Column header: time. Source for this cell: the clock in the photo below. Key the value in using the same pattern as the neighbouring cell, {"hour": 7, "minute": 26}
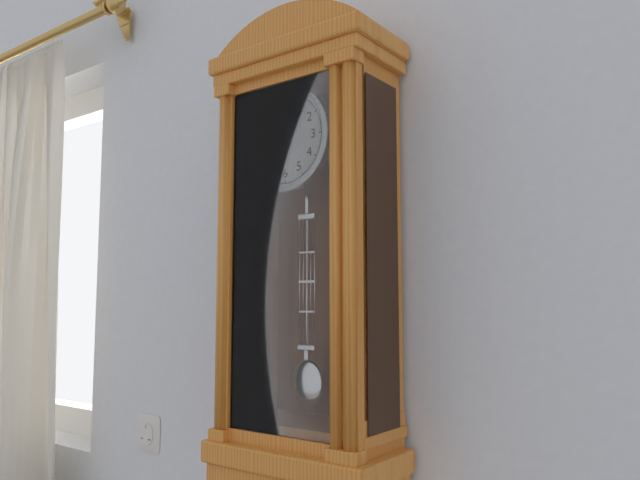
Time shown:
{"hour": 8, "minute": 36}
